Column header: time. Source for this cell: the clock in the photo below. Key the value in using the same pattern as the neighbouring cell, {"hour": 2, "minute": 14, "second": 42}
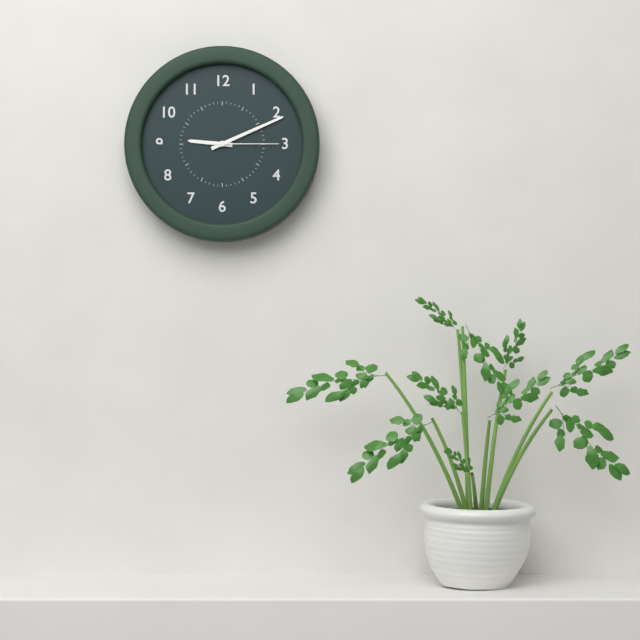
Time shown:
{"hour": 9, "minute": 11, "second": 15}
